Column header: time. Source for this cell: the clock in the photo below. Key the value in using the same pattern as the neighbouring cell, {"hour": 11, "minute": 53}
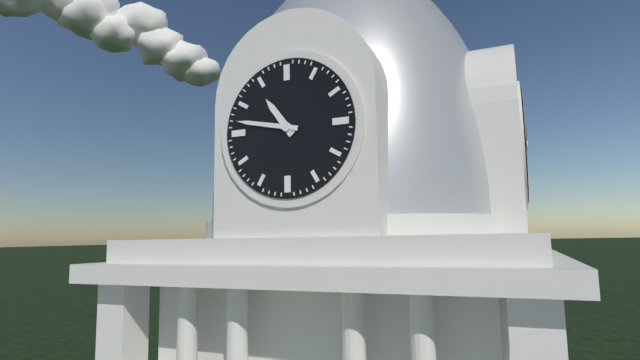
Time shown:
{"hour": 10, "minute": 47}
